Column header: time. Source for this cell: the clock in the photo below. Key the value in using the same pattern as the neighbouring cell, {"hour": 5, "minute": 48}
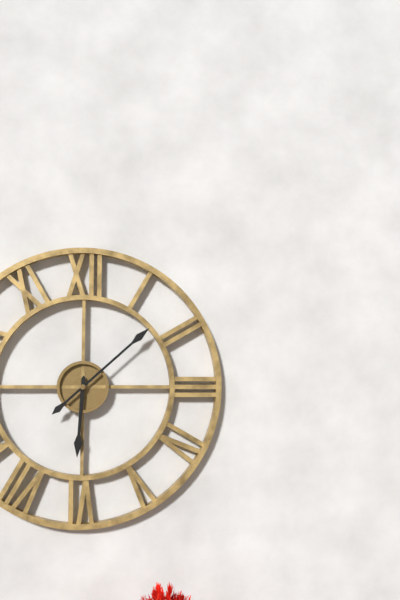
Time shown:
{"hour": 6, "minute": 8}
